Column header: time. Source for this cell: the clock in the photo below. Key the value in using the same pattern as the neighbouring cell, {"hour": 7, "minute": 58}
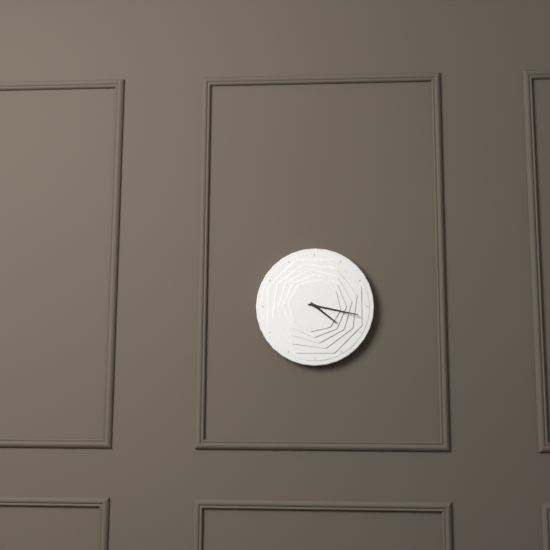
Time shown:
{"hour": 4, "minute": 17}
